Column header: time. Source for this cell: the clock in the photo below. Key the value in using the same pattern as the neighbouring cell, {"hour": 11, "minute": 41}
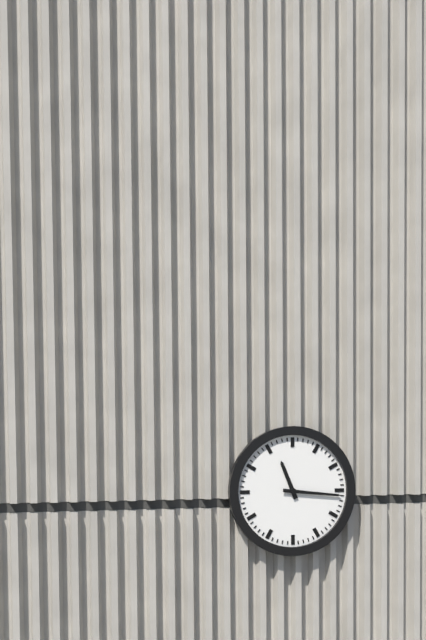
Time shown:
{"hour": 11, "minute": 16}
